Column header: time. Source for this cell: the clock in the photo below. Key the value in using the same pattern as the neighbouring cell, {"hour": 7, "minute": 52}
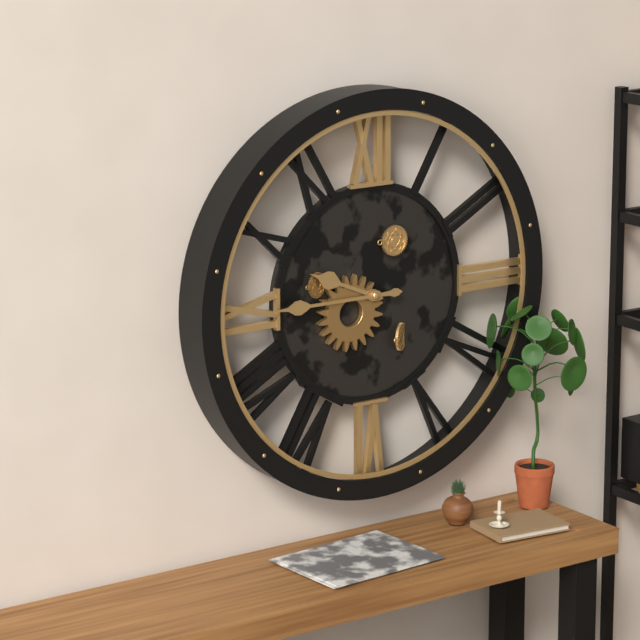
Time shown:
{"hour": 9, "minute": 45}
